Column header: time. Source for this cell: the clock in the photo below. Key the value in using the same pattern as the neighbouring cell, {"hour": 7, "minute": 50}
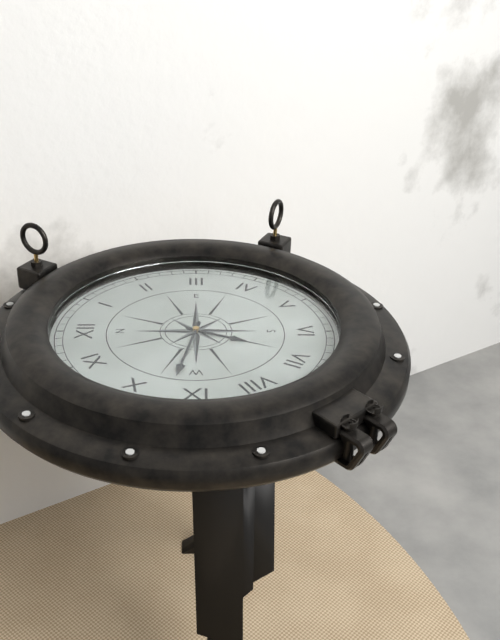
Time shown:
{"hour": 6, "minute": 47}
